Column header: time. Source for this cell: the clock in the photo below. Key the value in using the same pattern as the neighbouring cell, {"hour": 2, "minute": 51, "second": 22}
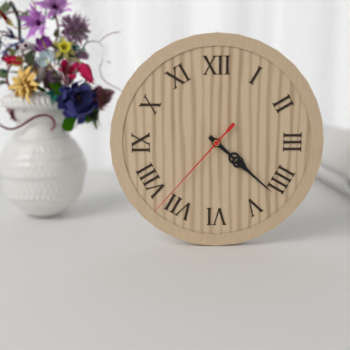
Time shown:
{"hour": 4, "minute": 22, "second": 37}
